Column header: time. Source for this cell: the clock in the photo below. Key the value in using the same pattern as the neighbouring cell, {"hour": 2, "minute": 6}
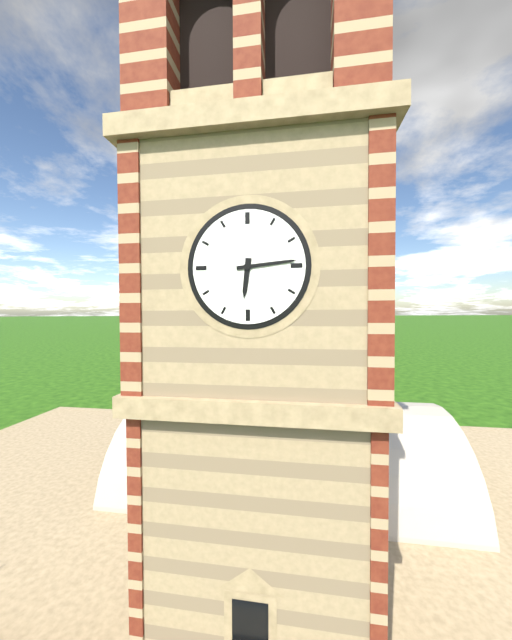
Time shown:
{"hour": 6, "minute": 14}
